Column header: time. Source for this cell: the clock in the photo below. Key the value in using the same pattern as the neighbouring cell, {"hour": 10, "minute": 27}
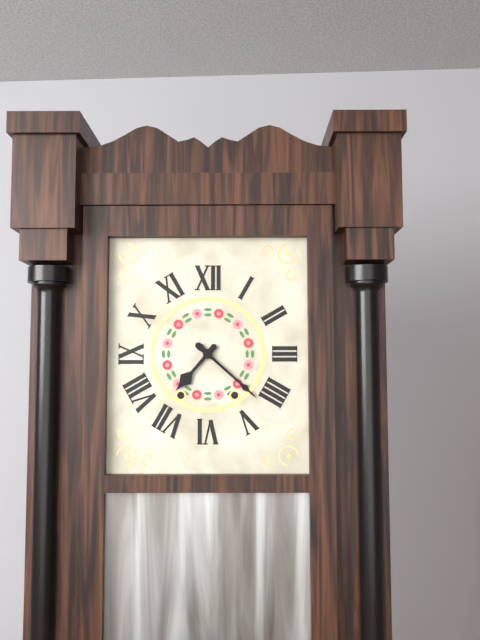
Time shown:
{"hour": 7, "minute": 22}
